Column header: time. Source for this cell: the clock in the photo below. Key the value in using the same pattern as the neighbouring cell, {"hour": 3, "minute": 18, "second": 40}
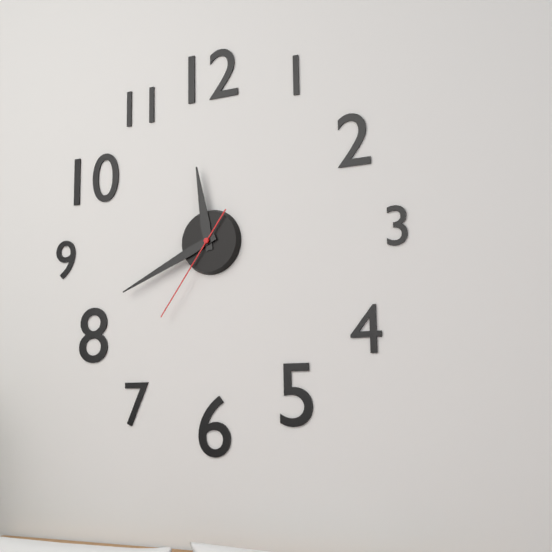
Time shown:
{"hour": 11, "minute": 41, "second": 36}
